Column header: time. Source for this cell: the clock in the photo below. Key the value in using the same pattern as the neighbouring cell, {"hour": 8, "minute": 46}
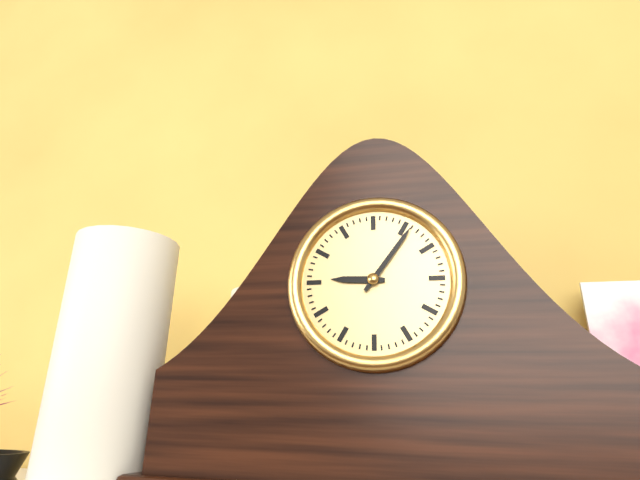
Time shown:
{"hour": 9, "minute": 6}
